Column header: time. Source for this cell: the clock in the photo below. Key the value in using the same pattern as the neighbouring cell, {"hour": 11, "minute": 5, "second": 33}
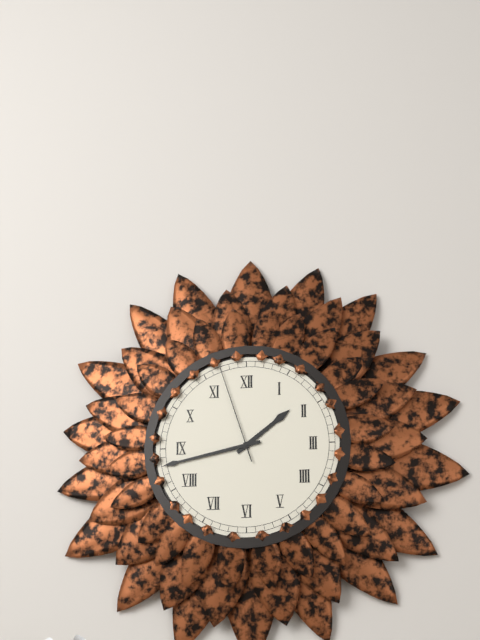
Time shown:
{"hour": 1, "minute": 43, "second": 57}
